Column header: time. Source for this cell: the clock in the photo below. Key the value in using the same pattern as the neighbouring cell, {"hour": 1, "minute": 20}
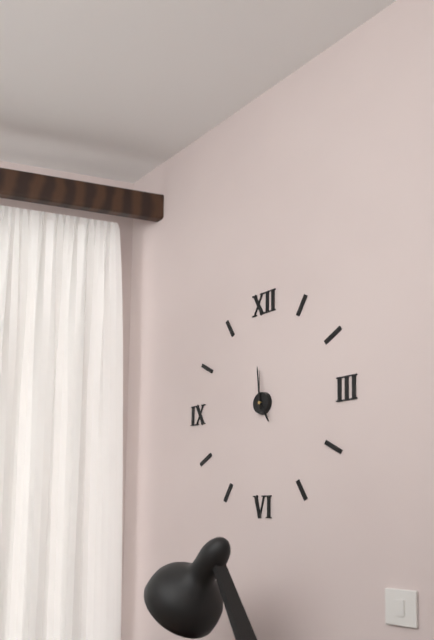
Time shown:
{"hour": 4, "minute": 59}
